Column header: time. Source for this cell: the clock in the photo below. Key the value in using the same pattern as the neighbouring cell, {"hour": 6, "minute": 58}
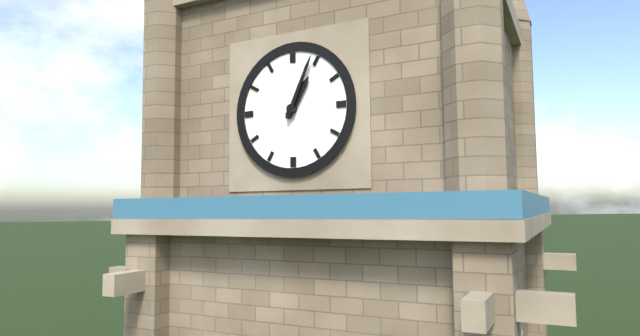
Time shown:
{"hour": 1, "minute": 4}
